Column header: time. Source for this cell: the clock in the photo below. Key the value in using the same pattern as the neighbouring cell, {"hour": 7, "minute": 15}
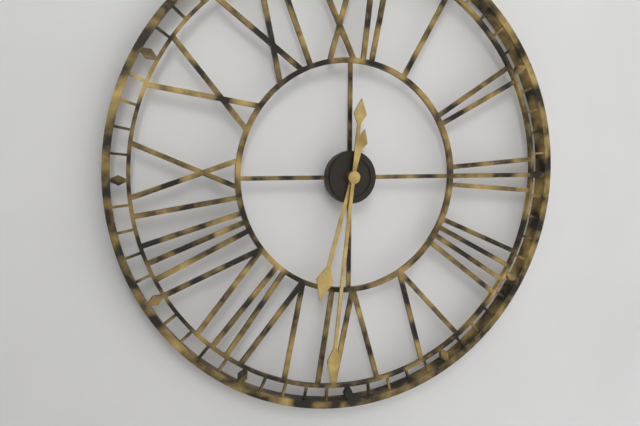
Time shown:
{"hour": 6, "minute": 31}
